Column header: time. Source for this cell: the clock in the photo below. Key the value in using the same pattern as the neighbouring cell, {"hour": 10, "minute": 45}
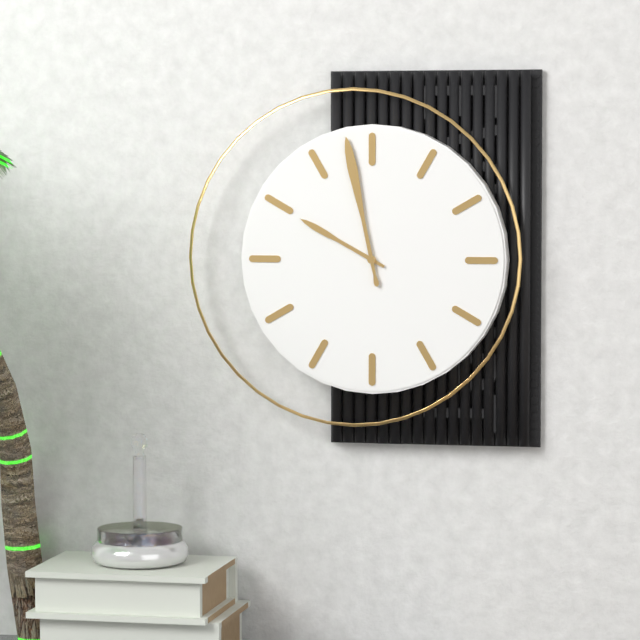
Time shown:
{"hour": 9, "minute": 58}
